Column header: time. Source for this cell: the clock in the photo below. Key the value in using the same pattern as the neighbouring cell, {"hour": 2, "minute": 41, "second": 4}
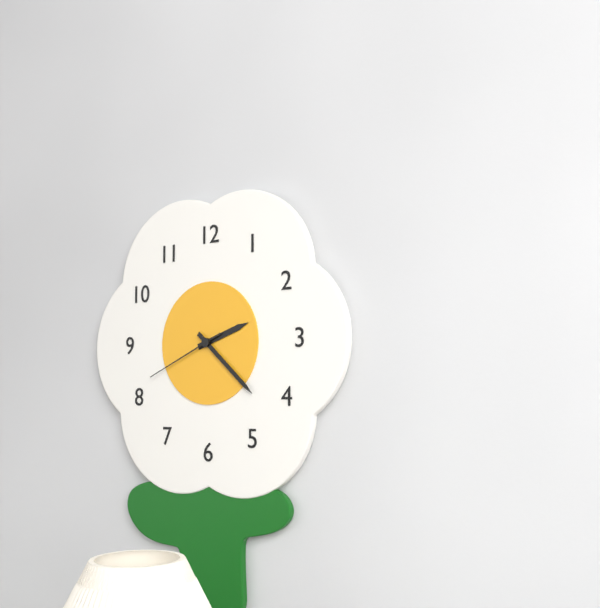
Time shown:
{"hour": 2, "minute": 22, "second": 41}
